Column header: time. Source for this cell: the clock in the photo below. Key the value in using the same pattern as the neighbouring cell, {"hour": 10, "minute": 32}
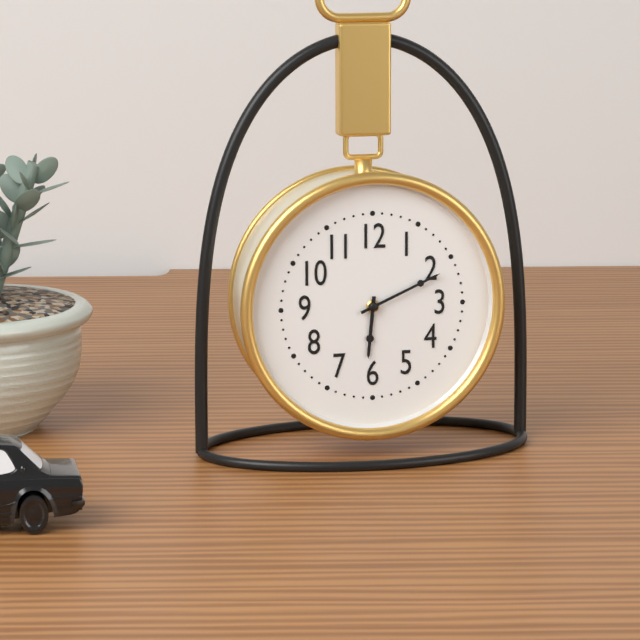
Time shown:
{"hour": 6, "minute": 11}
